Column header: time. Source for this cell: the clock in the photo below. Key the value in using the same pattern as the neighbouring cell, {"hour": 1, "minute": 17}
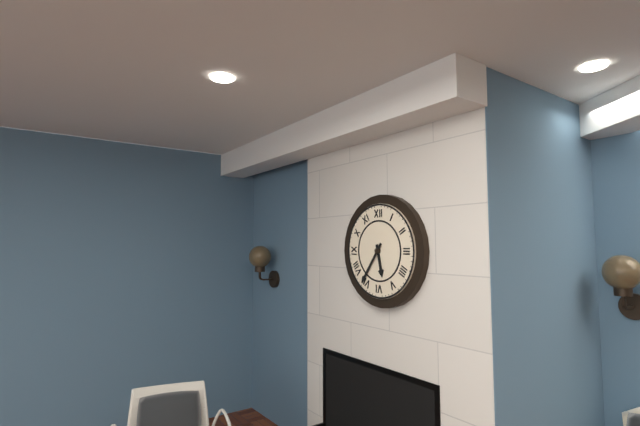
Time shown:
{"hour": 5, "minute": 36}
